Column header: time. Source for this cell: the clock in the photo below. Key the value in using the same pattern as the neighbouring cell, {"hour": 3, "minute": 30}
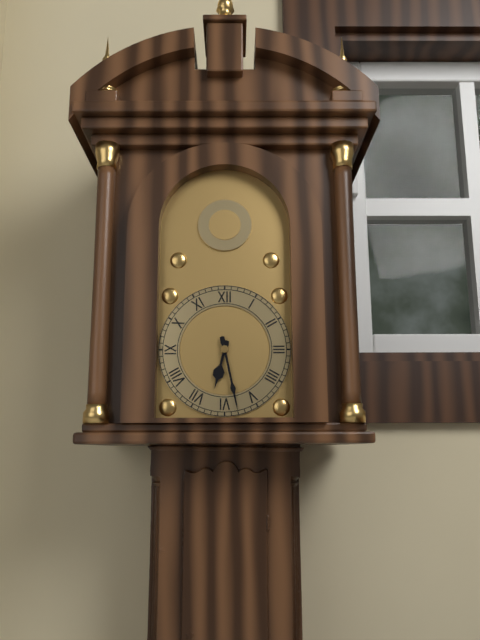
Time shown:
{"hour": 6, "minute": 28}
